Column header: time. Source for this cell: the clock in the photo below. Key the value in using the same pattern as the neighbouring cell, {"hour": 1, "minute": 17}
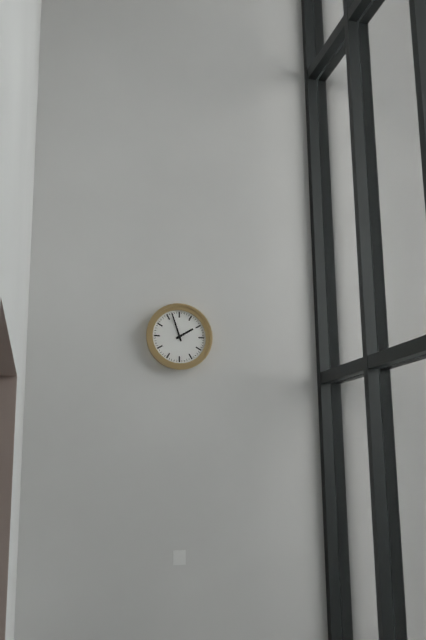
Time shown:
{"hour": 1, "minute": 57}
